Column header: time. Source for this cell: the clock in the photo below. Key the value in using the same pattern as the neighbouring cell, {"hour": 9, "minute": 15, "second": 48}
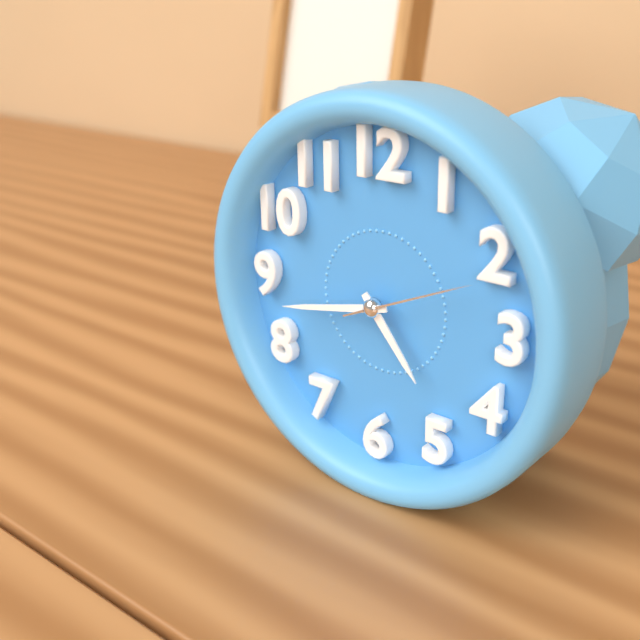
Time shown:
{"hour": 4, "minute": 43, "second": 11}
